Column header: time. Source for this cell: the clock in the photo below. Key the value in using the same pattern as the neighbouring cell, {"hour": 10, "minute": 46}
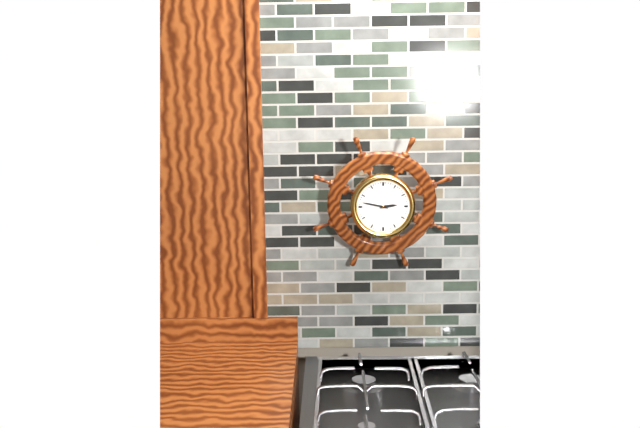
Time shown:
{"hour": 2, "minute": 47}
